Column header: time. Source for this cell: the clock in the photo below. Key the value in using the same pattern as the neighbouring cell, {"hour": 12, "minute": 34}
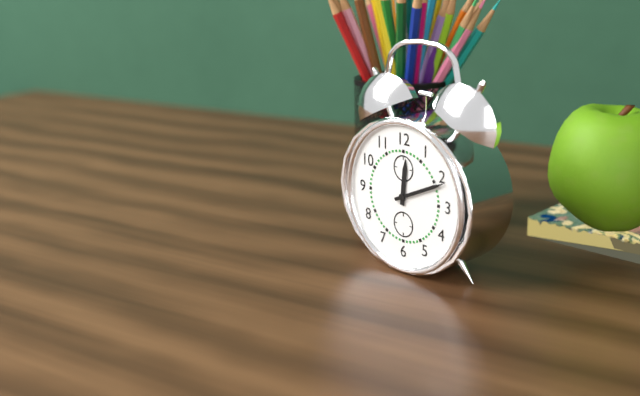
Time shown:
{"hour": 12, "minute": 11}
